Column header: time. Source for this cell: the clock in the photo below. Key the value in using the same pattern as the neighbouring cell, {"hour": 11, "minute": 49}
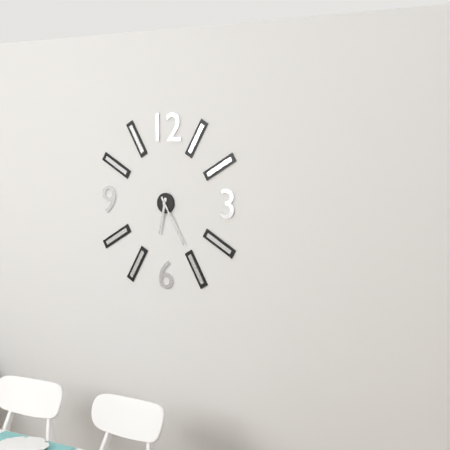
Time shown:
{"hour": 6, "minute": 25}
